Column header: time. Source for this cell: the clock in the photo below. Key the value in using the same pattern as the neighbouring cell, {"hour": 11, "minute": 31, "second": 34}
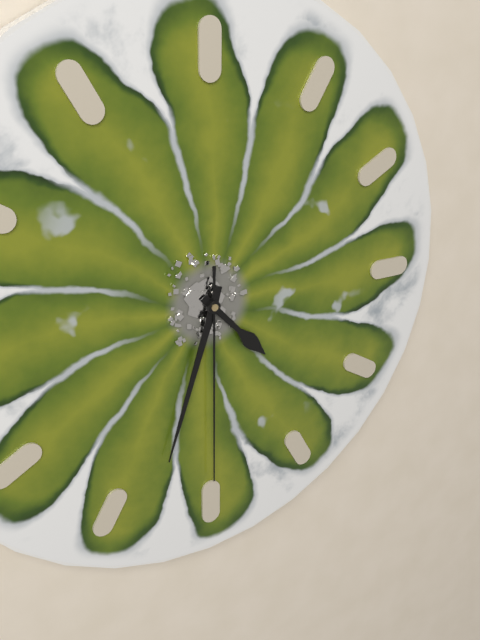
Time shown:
{"hour": 4, "minute": 33, "second": 30}
